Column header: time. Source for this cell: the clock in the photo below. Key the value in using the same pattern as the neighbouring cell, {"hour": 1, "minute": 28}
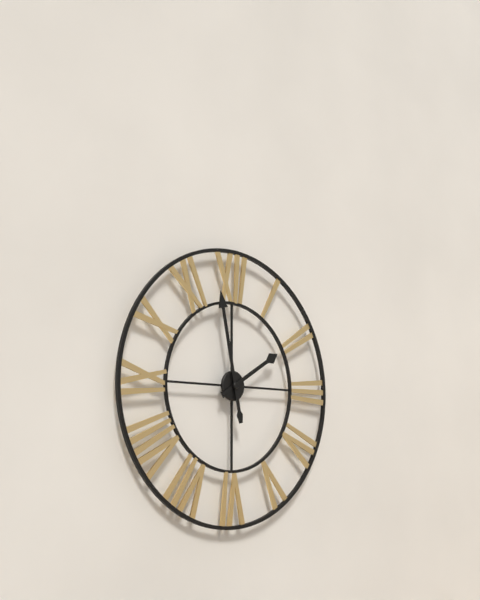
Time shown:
{"hour": 1, "minute": 58}
